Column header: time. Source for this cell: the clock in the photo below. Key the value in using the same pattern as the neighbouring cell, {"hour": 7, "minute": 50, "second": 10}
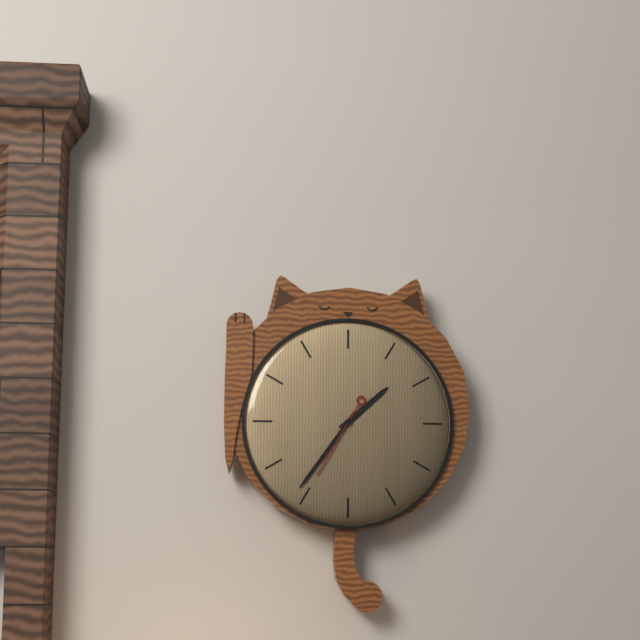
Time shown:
{"hour": 1, "minute": 36, "second": 35}
